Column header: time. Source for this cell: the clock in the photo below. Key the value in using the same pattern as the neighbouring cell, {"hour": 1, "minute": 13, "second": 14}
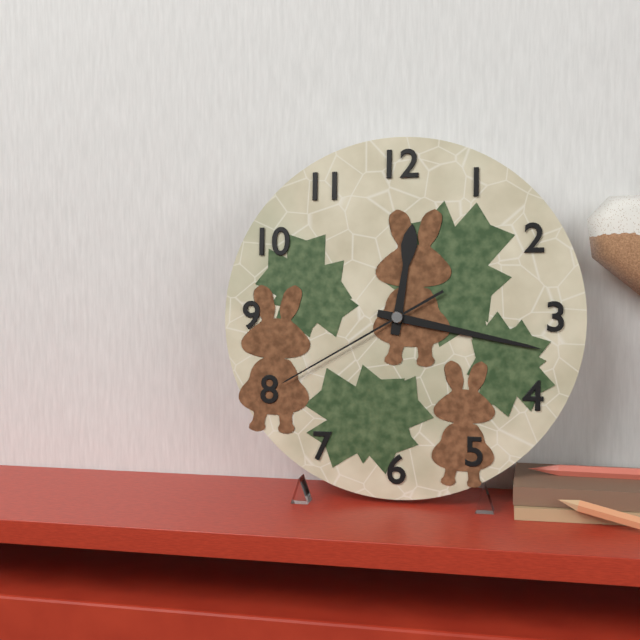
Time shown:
{"hour": 12, "minute": 17, "second": 40}
